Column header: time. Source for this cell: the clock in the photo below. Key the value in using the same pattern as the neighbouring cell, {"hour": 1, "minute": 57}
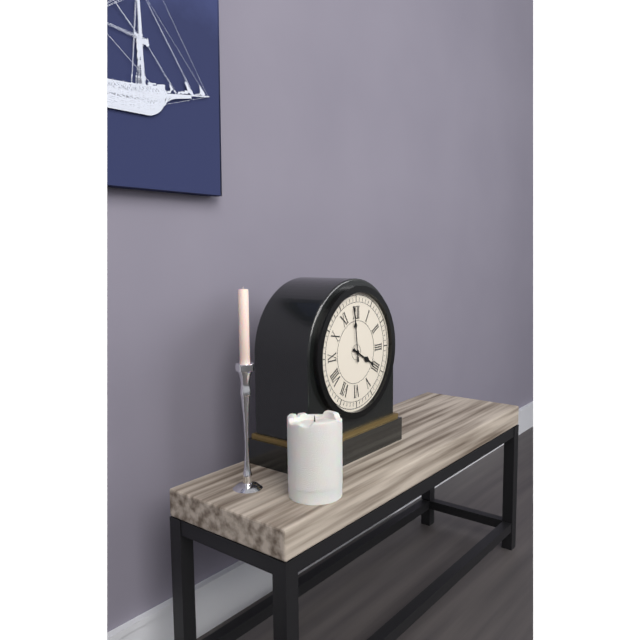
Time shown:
{"hour": 3, "minute": 59}
